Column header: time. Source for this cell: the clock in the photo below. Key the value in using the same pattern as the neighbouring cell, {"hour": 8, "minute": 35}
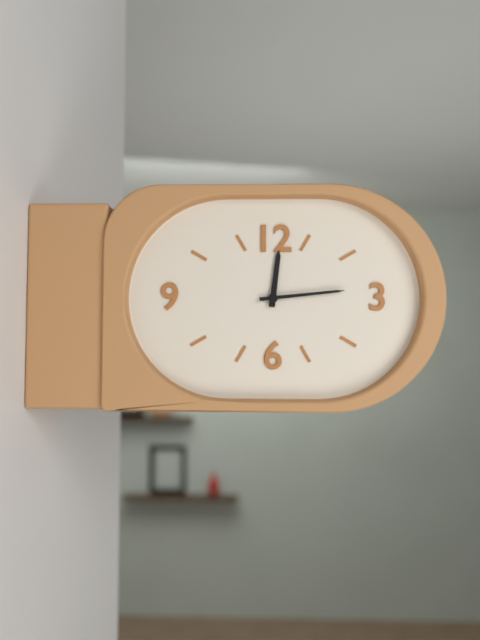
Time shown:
{"hour": 12, "minute": 14}
